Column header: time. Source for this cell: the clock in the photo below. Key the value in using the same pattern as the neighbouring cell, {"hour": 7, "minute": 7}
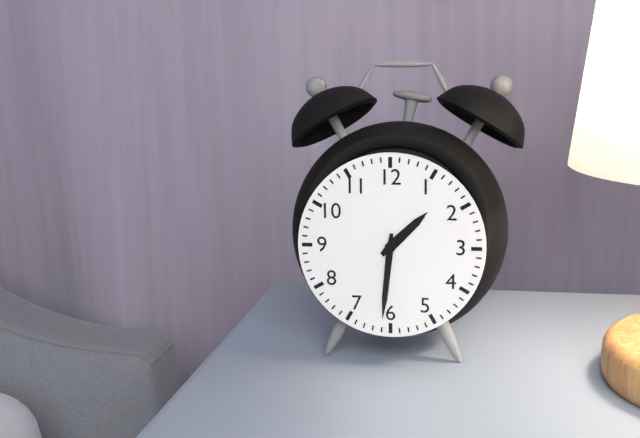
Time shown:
{"hour": 1, "minute": 31}
